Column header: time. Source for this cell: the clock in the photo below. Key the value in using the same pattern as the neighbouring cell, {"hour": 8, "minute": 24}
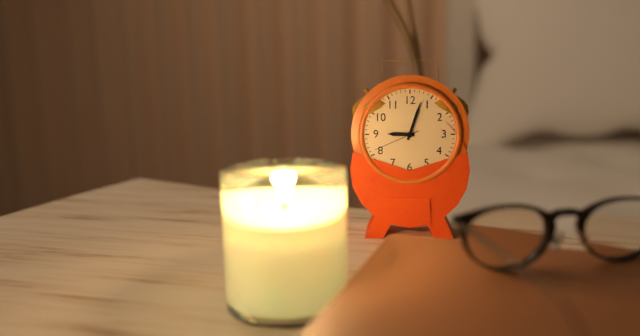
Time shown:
{"hour": 9, "minute": 3}
